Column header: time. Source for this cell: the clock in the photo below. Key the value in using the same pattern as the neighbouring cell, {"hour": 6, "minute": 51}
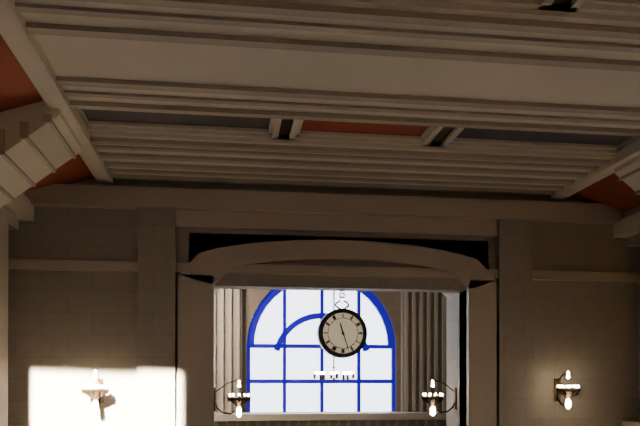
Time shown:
{"hour": 11, "minute": 27}
